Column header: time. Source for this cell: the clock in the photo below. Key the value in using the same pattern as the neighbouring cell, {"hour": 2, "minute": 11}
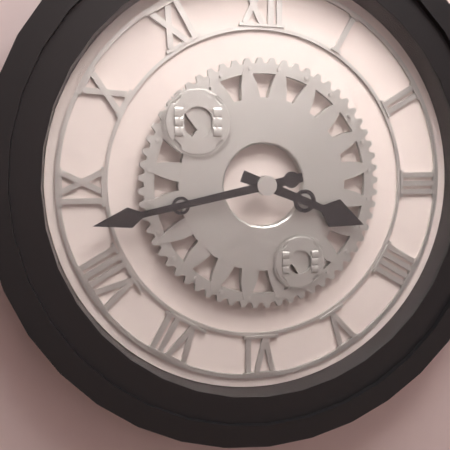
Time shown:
{"hour": 3, "minute": 43}
